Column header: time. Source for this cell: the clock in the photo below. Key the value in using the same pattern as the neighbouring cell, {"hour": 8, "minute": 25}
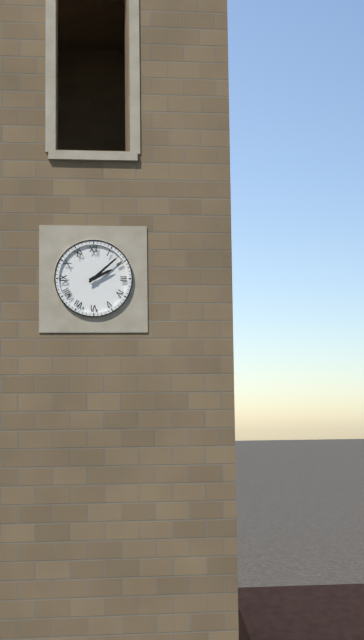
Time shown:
{"hour": 2, "minute": 8}
